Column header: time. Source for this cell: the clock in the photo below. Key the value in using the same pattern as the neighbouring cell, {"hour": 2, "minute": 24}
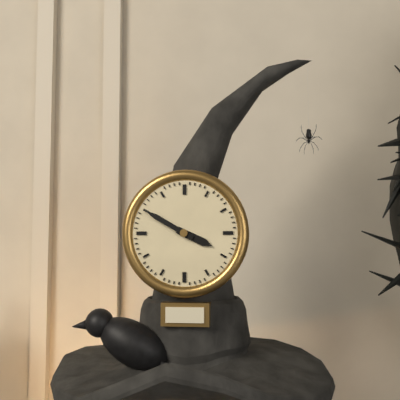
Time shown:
{"hour": 3, "minute": 50}
